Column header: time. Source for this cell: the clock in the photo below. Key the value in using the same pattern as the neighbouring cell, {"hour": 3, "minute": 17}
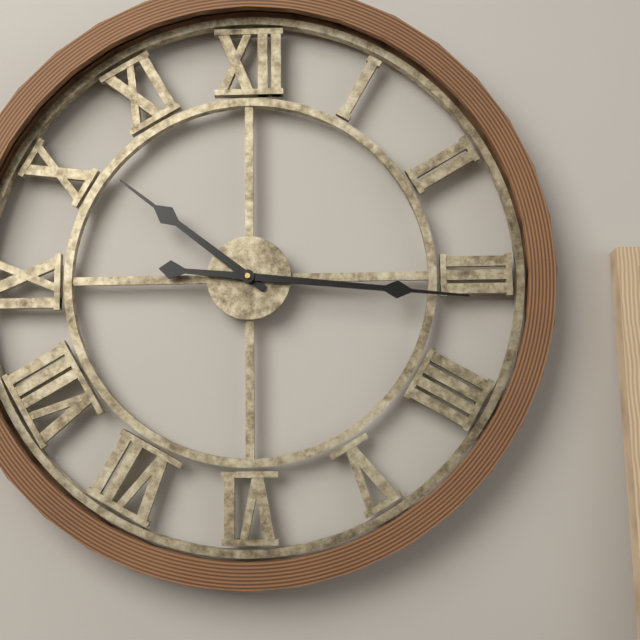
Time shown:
{"hour": 10, "minute": 16}
